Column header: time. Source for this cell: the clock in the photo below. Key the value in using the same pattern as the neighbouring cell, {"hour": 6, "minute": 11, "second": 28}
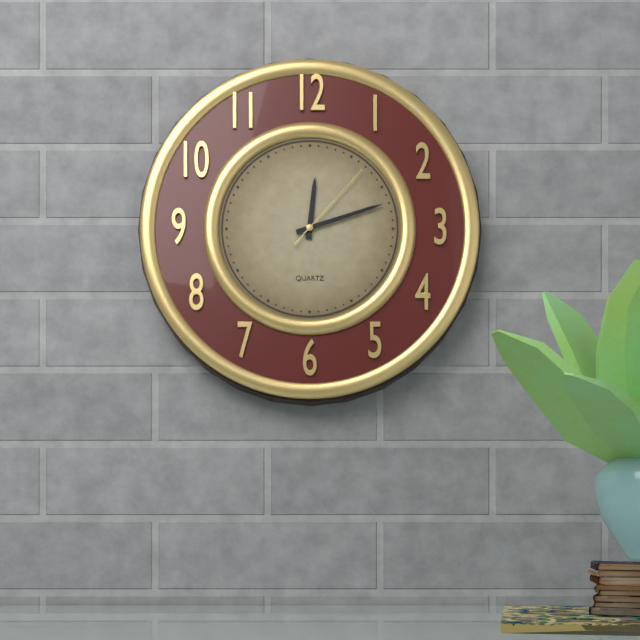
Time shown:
{"hour": 12, "minute": 12, "second": 7}
